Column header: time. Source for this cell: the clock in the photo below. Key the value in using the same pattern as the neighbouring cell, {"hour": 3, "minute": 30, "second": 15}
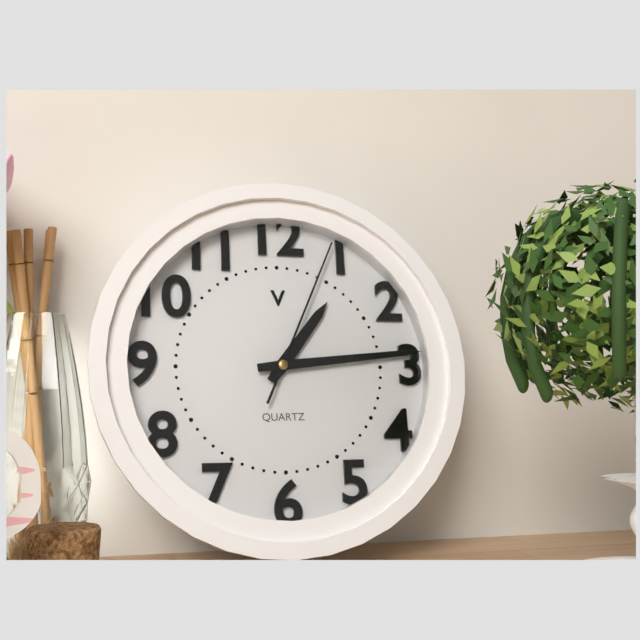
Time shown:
{"hour": 1, "minute": 14, "second": 4}
